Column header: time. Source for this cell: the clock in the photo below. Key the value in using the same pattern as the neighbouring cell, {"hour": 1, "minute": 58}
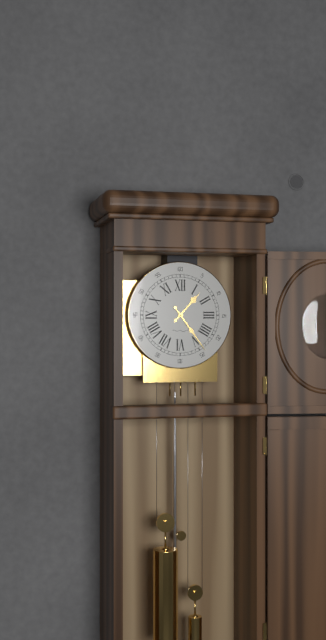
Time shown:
{"hour": 1, "minute": 24}
